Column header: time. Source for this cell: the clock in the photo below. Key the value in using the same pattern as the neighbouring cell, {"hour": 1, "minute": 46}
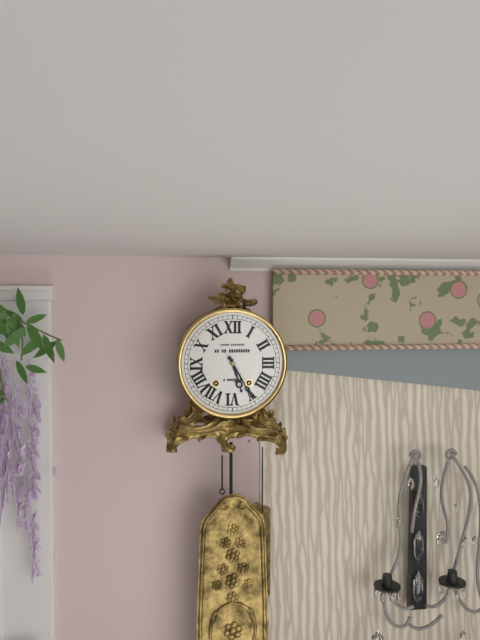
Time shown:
{"hour": 5, "minute": 25}
